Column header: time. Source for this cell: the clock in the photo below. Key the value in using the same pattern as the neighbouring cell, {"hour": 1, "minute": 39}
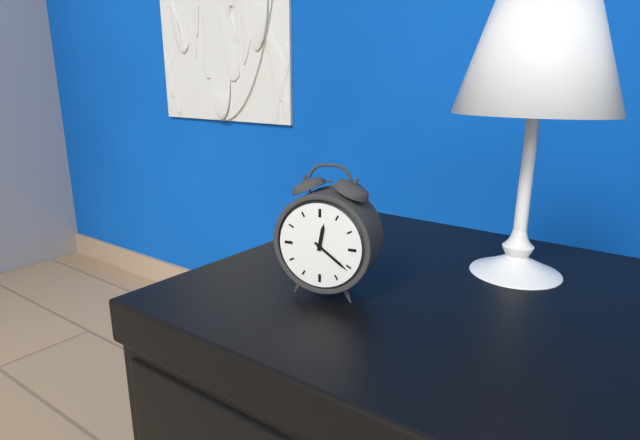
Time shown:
{"hour": 12, "minute": 21}
